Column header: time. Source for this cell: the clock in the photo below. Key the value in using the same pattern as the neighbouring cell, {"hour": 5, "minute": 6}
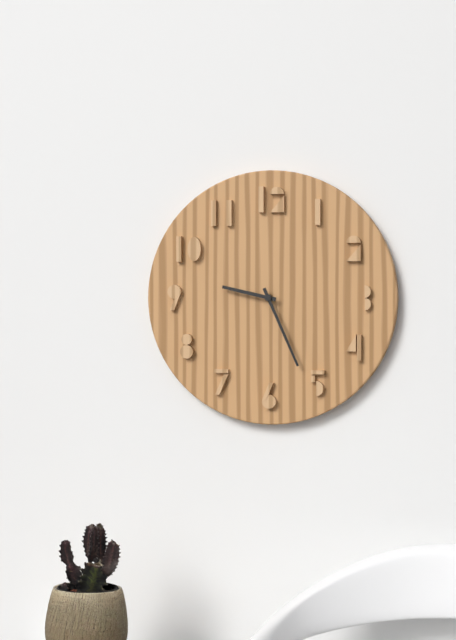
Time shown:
{"hour": 9, "minute": 26}
